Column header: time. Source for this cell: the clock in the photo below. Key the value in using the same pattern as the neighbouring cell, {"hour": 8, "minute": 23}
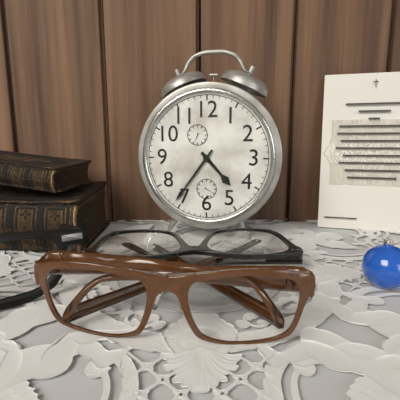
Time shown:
{"hour": 4, "minute": 36}
